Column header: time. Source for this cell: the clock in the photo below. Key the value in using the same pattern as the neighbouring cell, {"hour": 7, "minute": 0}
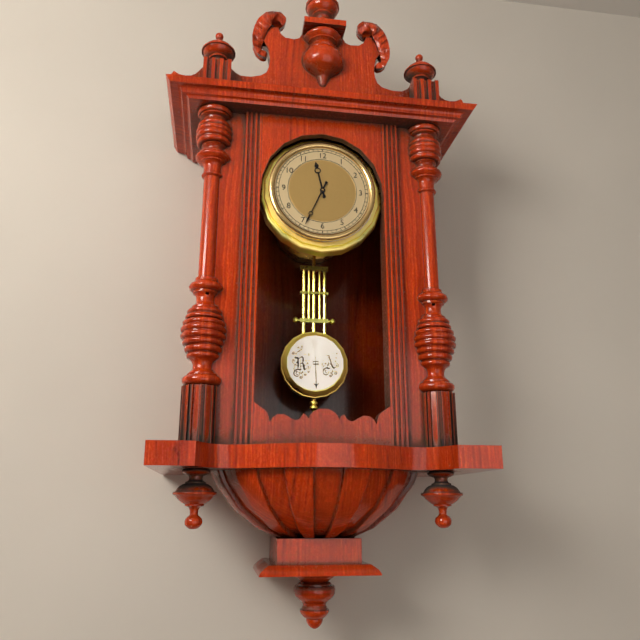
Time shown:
{"hour": 11, "minute": 34}
